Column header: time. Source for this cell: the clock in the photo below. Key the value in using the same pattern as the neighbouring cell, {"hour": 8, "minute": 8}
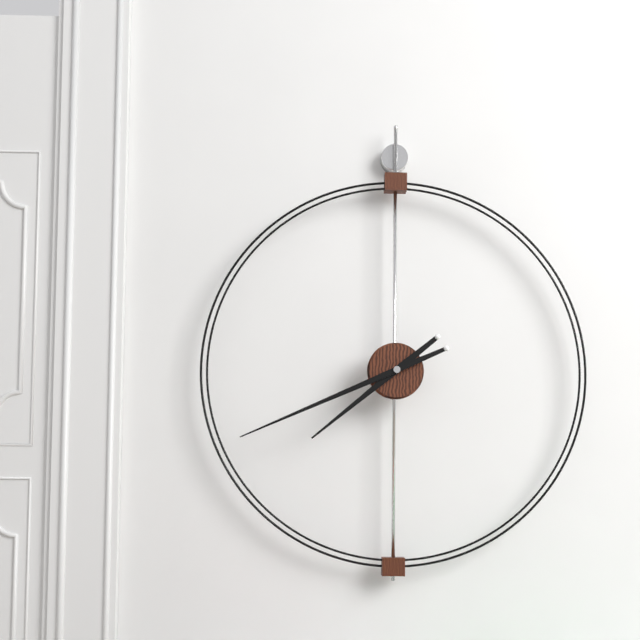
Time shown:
{"hour": 7, "minute": 41}
